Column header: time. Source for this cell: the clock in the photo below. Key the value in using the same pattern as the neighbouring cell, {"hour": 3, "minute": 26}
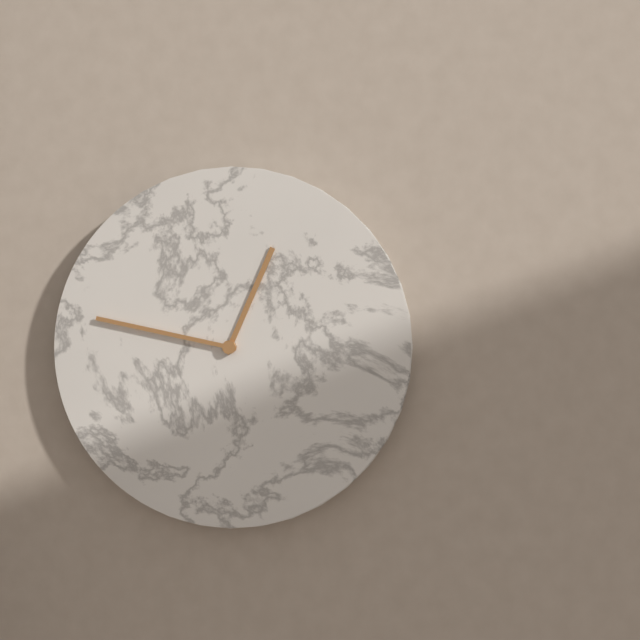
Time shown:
{"hour": 12, "minute": 47}
